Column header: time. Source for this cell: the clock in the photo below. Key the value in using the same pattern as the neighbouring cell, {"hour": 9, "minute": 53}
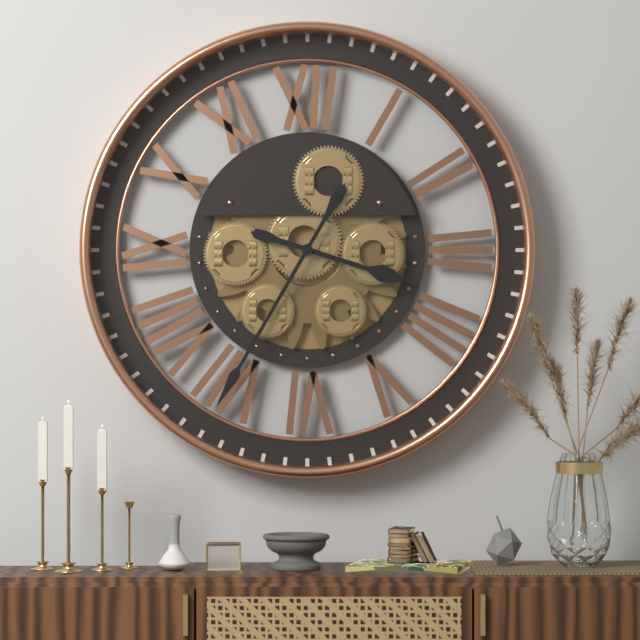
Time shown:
{"hour": 3, "minute": 35}
